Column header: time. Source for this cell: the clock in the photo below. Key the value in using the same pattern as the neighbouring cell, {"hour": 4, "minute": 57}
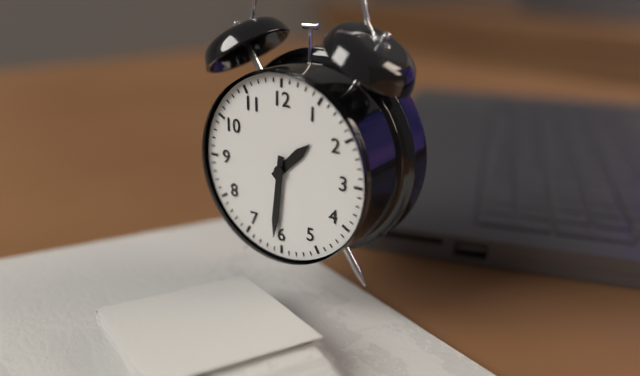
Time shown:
{"hour": 1, "minute": 31}
